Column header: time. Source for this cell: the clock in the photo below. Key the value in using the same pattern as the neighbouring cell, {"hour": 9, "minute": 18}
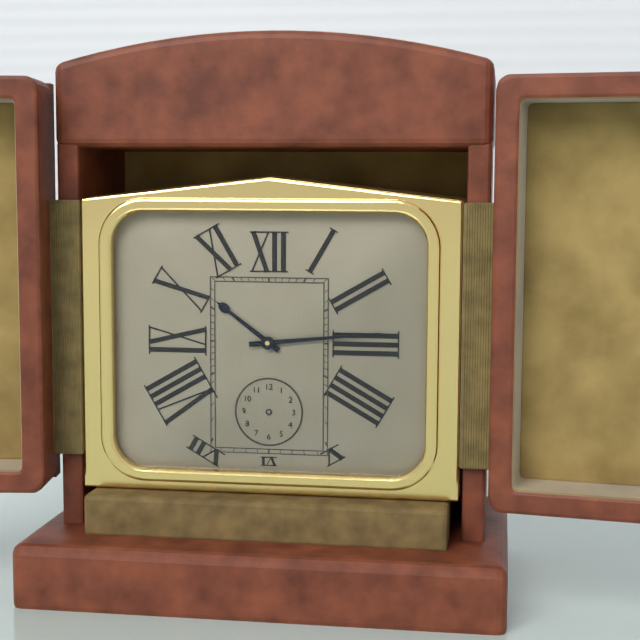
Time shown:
{"hour": 10, "minute": 14}
